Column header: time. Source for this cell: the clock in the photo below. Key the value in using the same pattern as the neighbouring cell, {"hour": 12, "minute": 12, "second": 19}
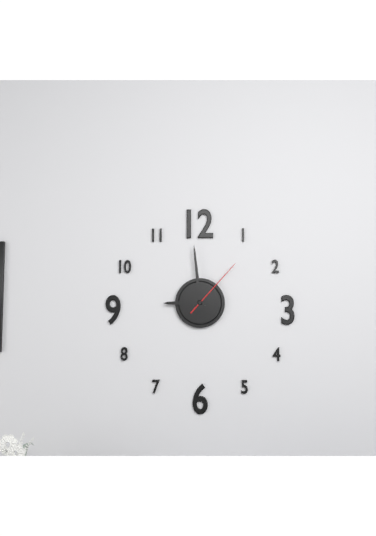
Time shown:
{"hour": 8, "minute": 59, "second": 7}
